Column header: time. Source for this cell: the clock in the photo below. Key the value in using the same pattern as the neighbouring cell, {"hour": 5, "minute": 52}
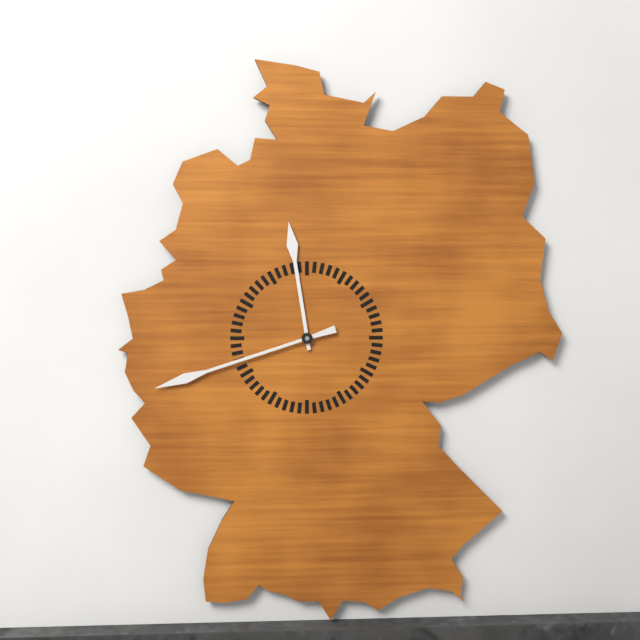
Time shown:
{"hour": 11, "minute": 42}
